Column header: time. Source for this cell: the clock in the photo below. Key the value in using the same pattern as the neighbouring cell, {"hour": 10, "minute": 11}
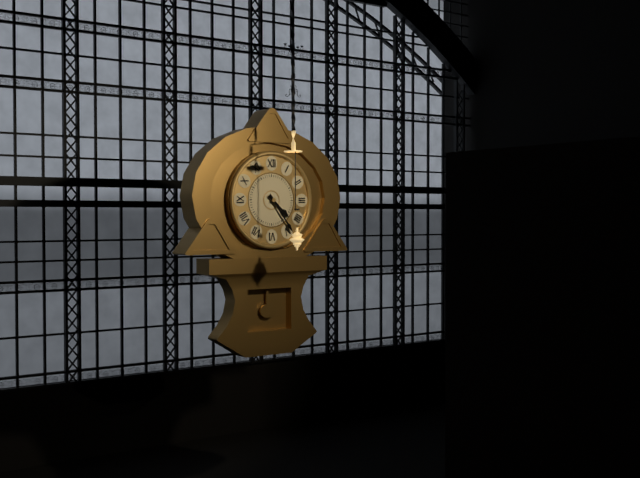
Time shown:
{"hour": 4, "minute": 24}
